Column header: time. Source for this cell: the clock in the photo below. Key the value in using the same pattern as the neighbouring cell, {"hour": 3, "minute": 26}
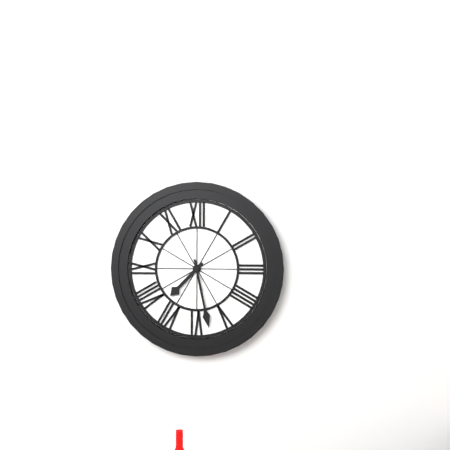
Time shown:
{"hour": 7, "minute": 28}
